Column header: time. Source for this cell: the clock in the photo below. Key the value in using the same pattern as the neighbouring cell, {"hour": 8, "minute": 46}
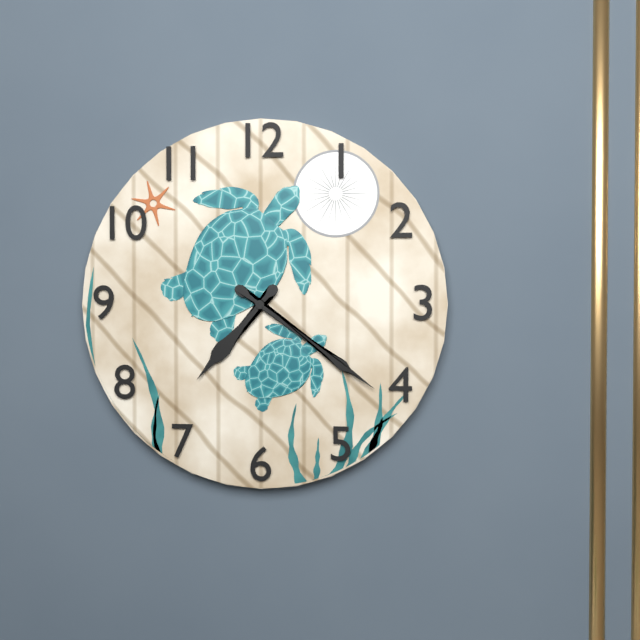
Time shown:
{"hour": 7, "minute": 21}
